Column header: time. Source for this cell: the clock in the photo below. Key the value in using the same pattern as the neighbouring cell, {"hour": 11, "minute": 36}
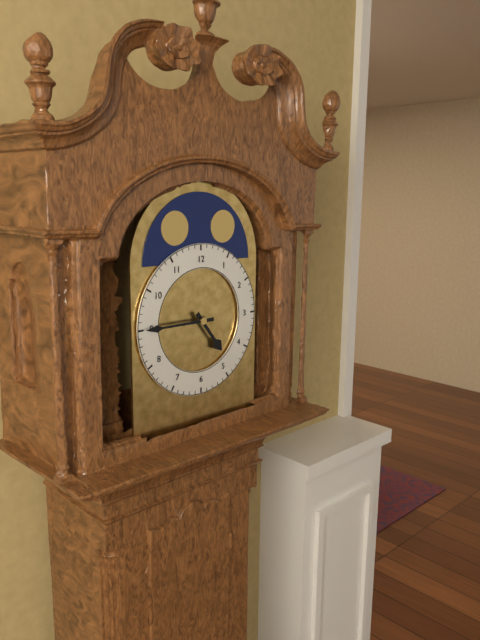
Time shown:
{"hour": 4, "minute": 45}
